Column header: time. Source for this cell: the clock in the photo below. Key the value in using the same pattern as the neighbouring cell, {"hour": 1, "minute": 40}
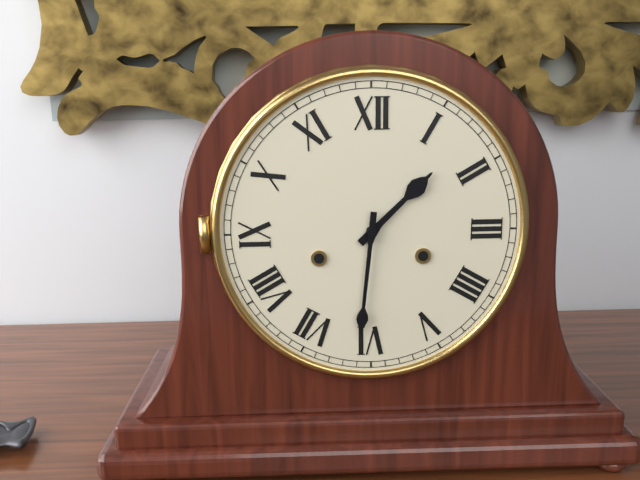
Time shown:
{"hour": 1, "minute": 31}
